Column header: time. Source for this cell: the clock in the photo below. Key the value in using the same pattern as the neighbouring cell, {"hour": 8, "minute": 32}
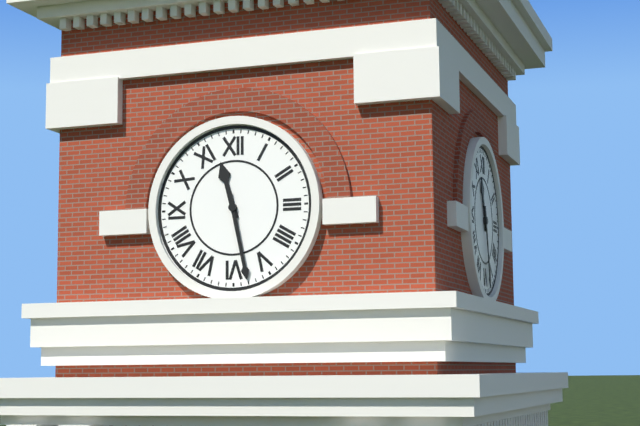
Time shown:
{"hour": 11, "minute": 28}
